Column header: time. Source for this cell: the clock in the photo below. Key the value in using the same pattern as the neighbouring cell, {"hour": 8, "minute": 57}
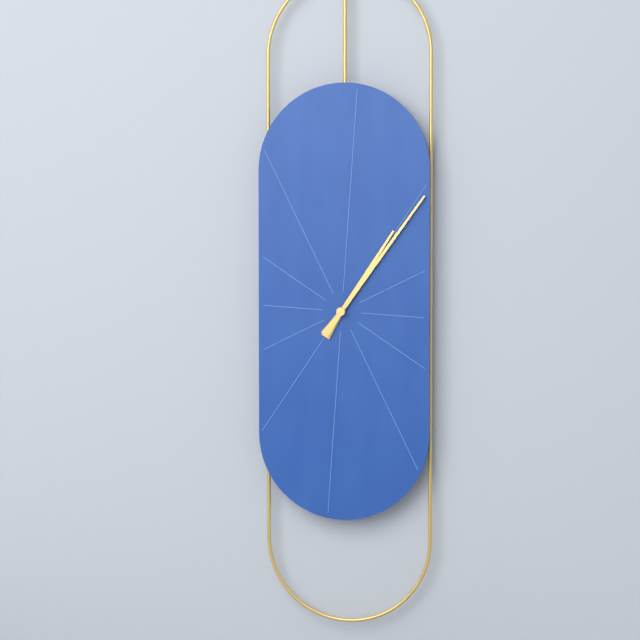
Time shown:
{"hour": 1, "minute": 6}
